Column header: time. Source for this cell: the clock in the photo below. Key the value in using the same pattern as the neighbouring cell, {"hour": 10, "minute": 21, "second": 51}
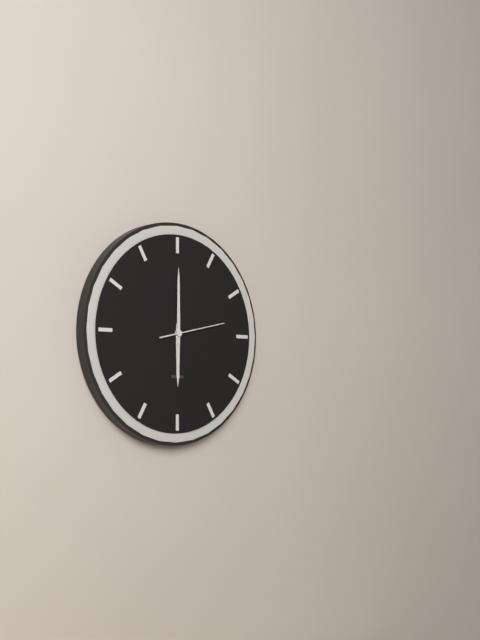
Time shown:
{"hour": 6, "minute": 0, "second": 13}
